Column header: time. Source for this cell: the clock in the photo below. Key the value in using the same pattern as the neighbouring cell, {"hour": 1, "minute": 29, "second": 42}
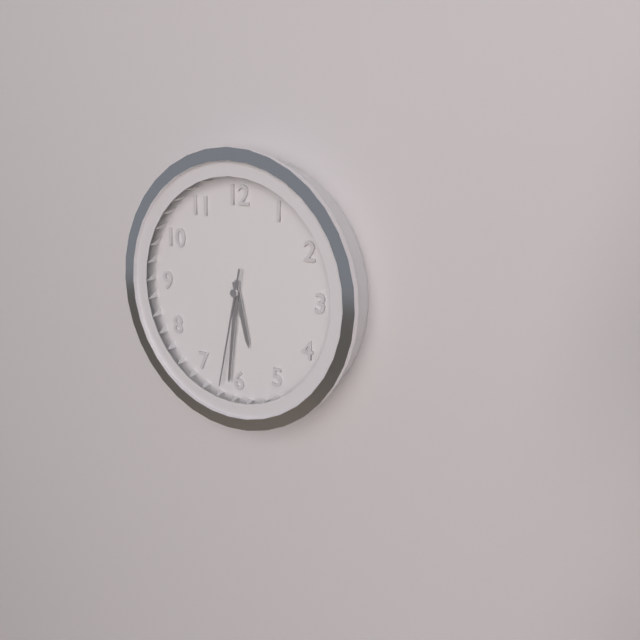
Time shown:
{"hour": 5, "minute": 31, "second": 32}
